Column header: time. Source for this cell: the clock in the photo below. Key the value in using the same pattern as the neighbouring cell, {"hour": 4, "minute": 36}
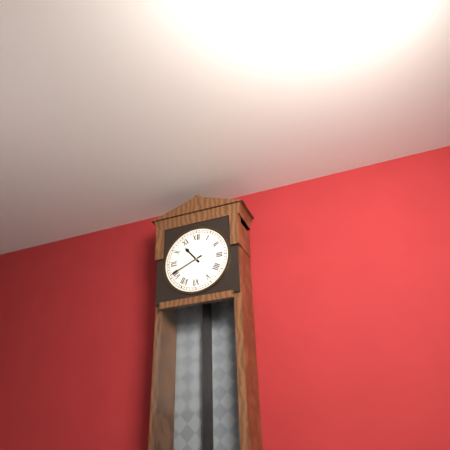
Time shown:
{"hour": 10, "minute": 41}
